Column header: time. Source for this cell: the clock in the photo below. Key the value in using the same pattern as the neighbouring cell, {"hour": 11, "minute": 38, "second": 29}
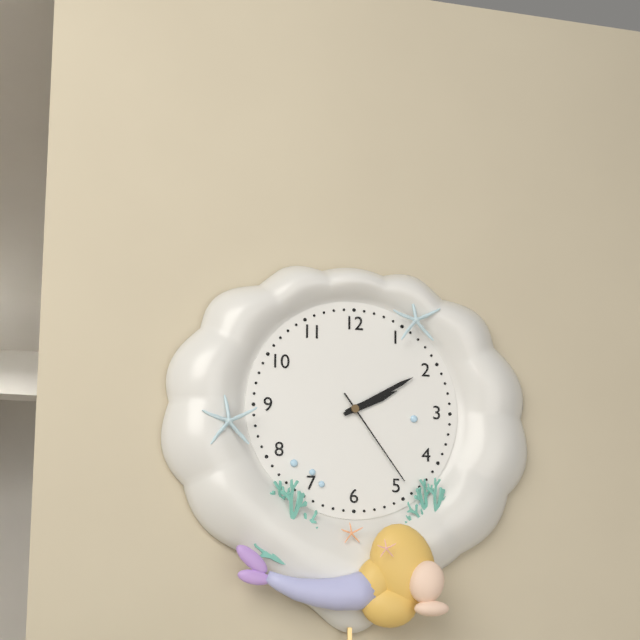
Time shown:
{"hour": 2, "minute": 10, "second": 24}
